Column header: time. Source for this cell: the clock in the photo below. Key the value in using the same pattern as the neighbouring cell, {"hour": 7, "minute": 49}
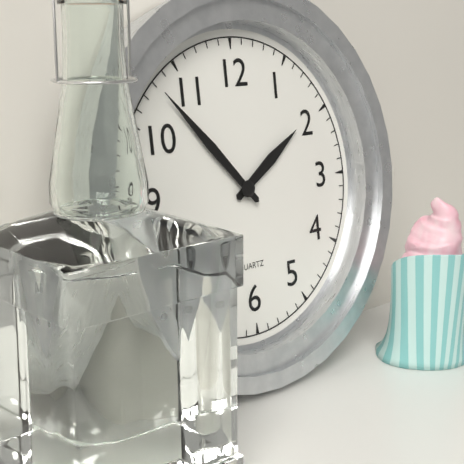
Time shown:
{"hour": 1, "minute": 53}
